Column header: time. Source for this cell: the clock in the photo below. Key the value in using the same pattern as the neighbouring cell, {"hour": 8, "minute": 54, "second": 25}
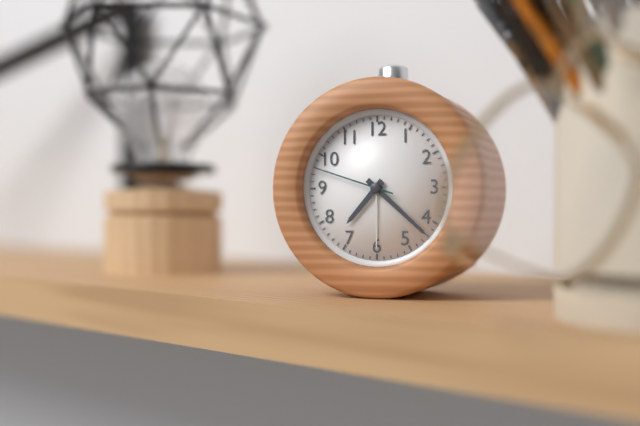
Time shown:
{"hour": 7, "minute": 22, "second": 48}
